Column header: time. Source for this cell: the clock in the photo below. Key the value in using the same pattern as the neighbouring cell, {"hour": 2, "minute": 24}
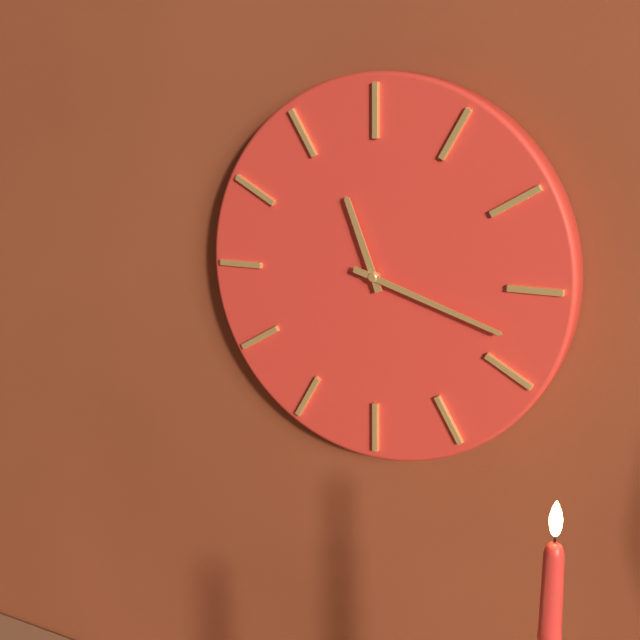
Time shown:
{"hour": 11, "minute": 18}
